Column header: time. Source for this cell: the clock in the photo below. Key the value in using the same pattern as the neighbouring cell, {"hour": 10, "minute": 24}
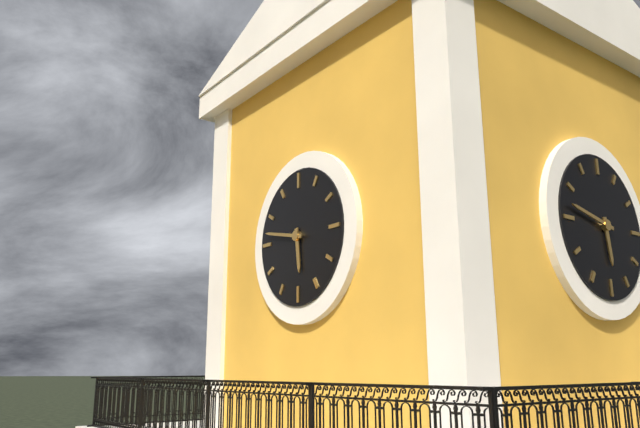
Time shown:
{"hour": 5, "minute": 47}
